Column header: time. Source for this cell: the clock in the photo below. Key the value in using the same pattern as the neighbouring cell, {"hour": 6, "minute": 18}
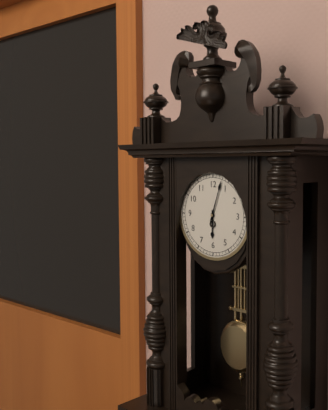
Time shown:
{"hour": 6, "minute": 3}
